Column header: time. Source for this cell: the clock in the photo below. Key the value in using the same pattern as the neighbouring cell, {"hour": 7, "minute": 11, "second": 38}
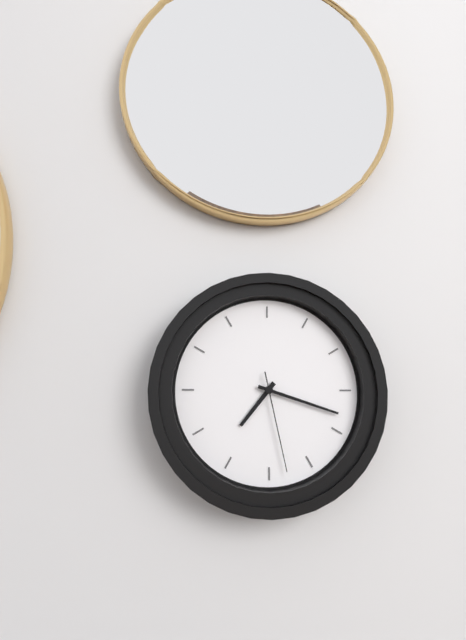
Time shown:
{"hour": 7, "minute": 18, "second": 28}
